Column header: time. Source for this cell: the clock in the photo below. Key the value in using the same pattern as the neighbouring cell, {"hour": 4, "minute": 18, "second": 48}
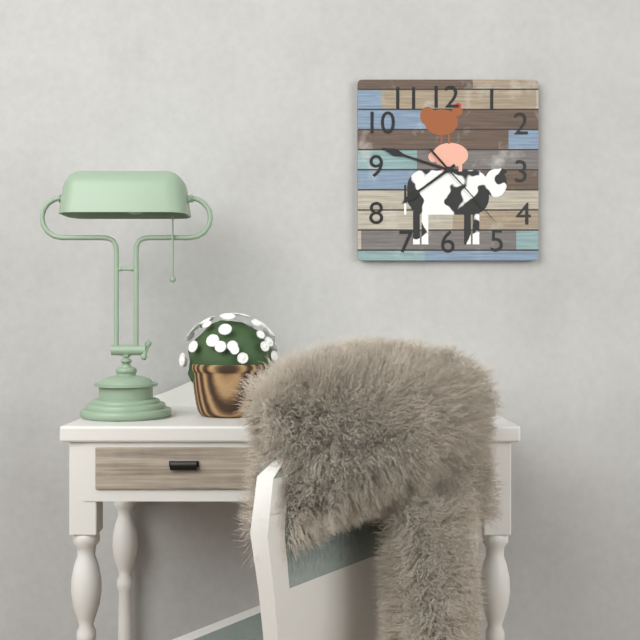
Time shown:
{"hour": 7, "minute": 48, "second": 23}
